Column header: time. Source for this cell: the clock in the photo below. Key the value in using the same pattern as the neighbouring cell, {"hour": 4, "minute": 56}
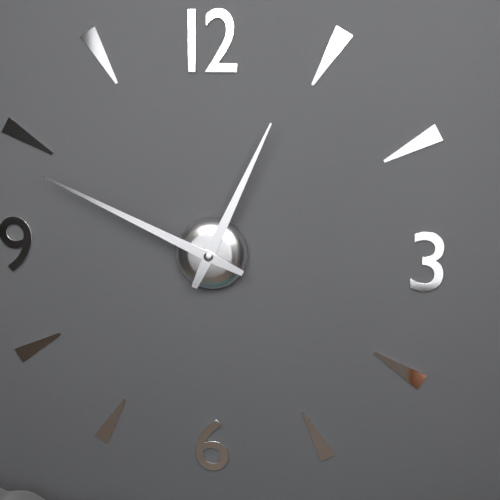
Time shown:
{"hour": 12, "minute": 49}
